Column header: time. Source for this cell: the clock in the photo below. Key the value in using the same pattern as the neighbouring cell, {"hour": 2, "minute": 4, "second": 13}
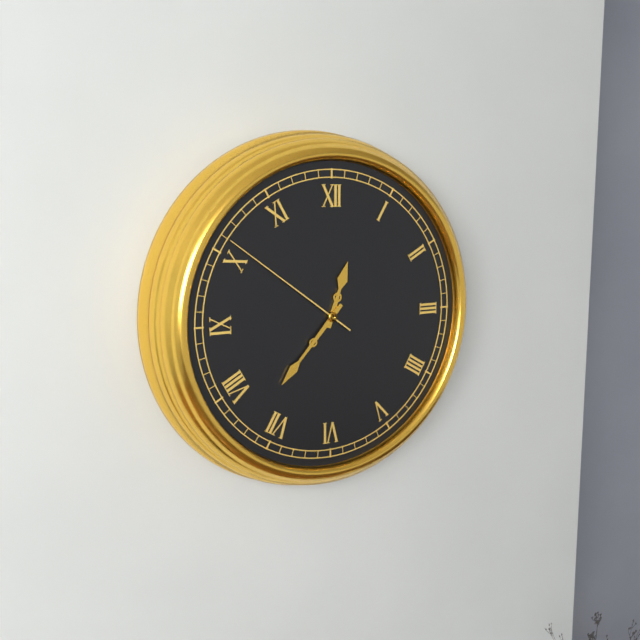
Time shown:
{"hour": 12, "minute": 37, "second": 51}
